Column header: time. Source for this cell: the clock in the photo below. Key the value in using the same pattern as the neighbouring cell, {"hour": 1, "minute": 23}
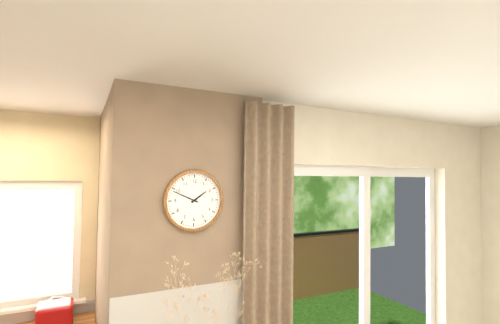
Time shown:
{"hour": 1, "minute": 49}
